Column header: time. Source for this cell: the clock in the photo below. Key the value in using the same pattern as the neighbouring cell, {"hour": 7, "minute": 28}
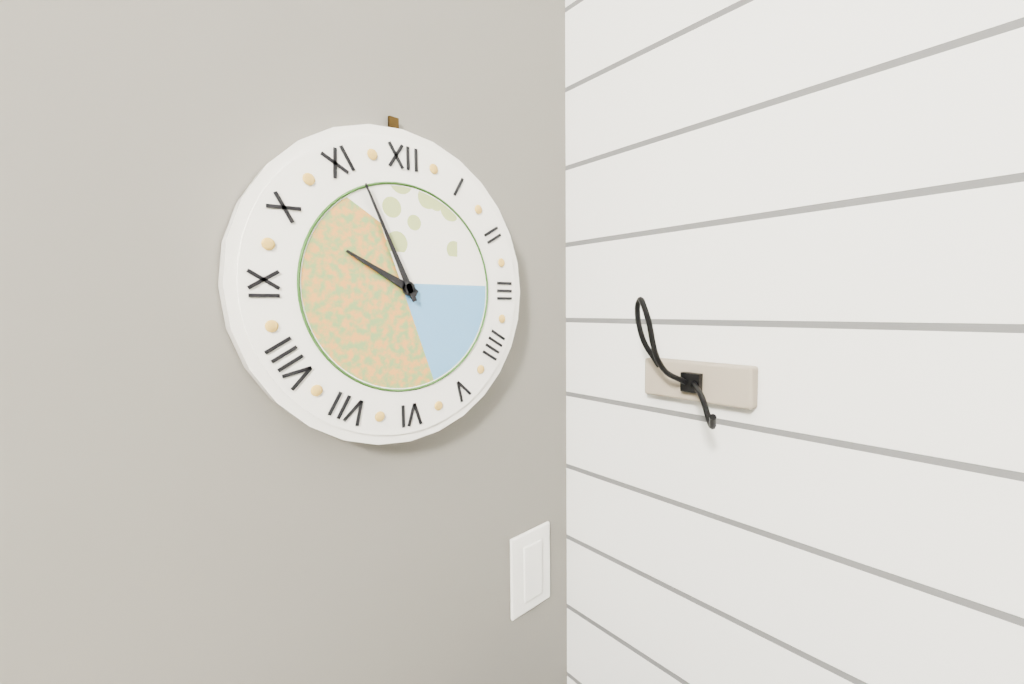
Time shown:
{"hour": 9, "minute": 56}
